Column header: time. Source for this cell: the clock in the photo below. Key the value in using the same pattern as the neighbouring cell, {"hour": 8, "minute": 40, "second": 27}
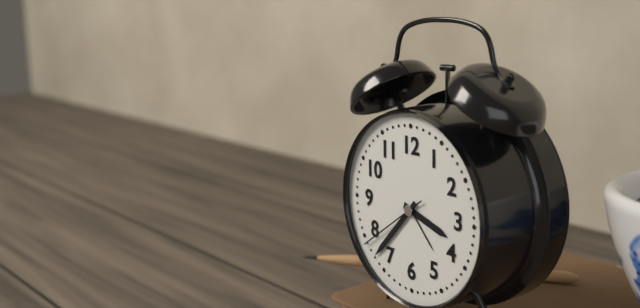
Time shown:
{"hour": 3, "minute": 37, "second": 39}
